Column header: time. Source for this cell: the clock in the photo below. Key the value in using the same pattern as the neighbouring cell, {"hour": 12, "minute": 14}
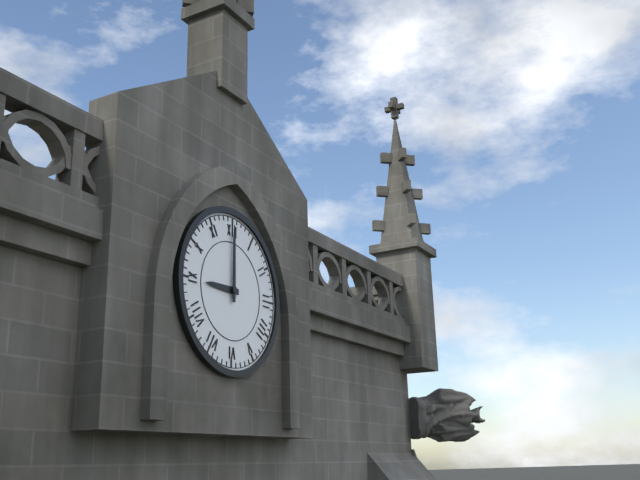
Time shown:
{"hour": 9, "minute": 0}
